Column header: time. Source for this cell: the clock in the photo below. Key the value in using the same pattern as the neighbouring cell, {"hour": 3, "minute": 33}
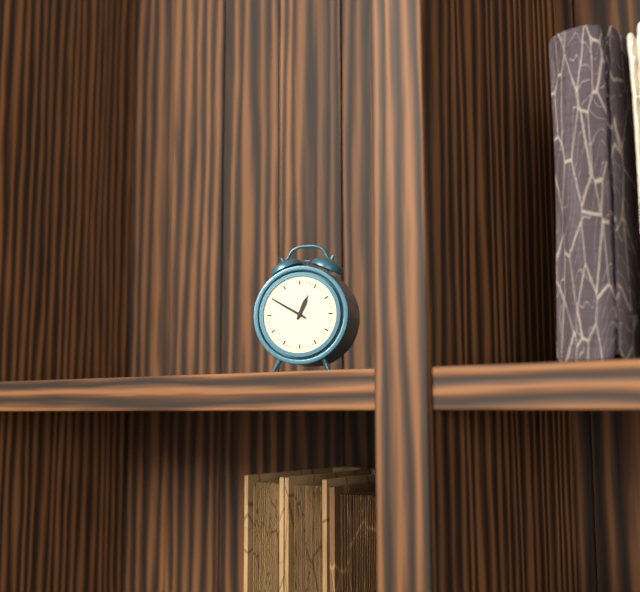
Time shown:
{"hour": 12, "minute": 50}
